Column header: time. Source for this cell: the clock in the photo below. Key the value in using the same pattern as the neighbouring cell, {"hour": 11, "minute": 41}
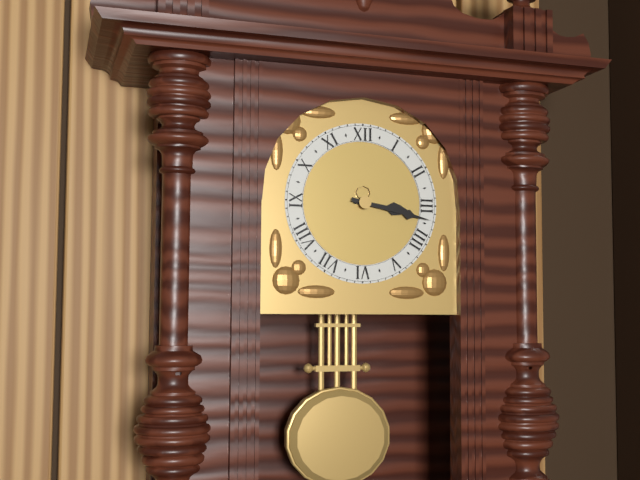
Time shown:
{"hour": 3, "minute": 17}
